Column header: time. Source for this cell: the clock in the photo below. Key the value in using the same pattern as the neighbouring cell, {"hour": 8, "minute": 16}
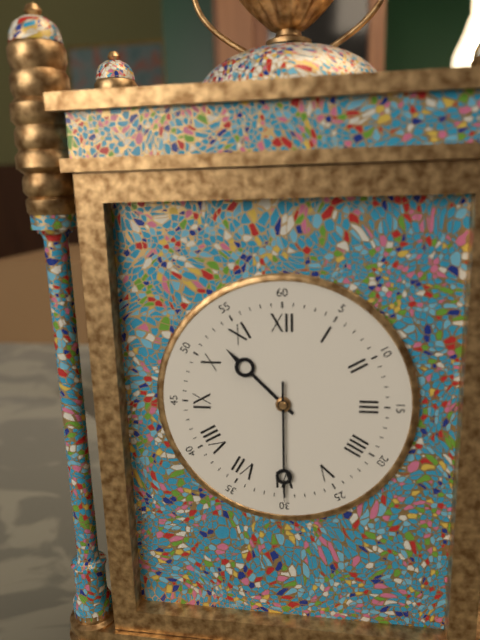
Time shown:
{"hour": 10, "minute": 30}
